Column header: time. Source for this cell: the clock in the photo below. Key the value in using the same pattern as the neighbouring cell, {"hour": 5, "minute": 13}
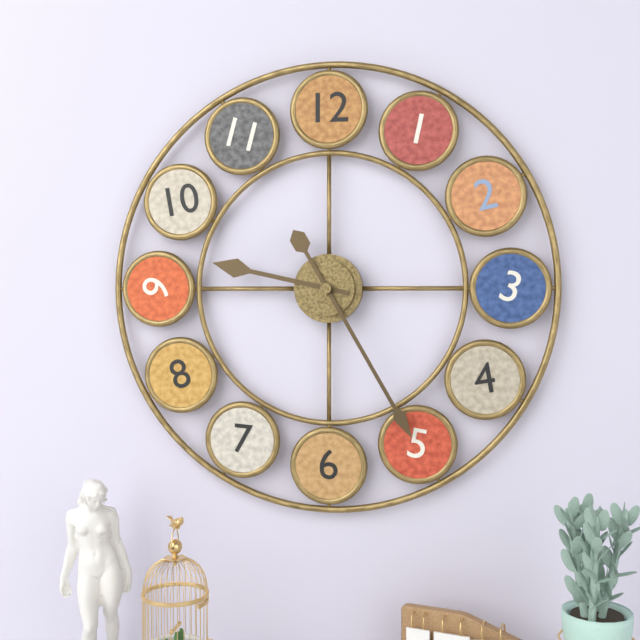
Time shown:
{"hour": 9, "minute": 25}
